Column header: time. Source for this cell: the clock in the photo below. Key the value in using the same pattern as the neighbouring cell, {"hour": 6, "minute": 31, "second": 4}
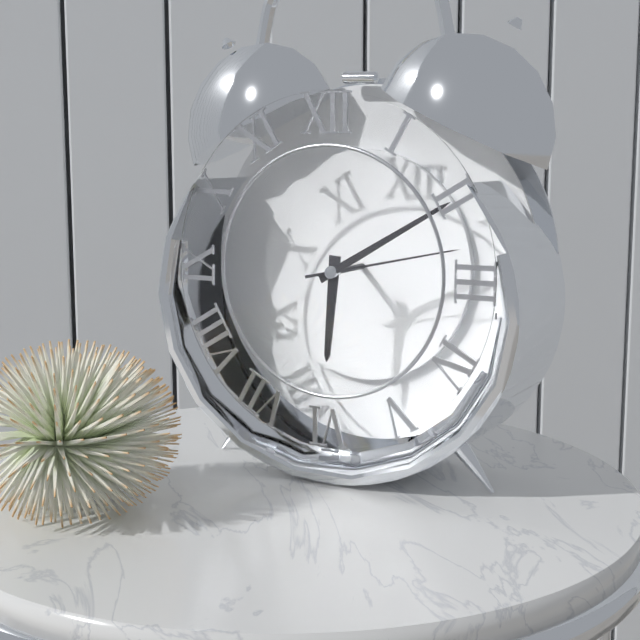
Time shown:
{"hour": 6, "minute": 10, "second": 13}
